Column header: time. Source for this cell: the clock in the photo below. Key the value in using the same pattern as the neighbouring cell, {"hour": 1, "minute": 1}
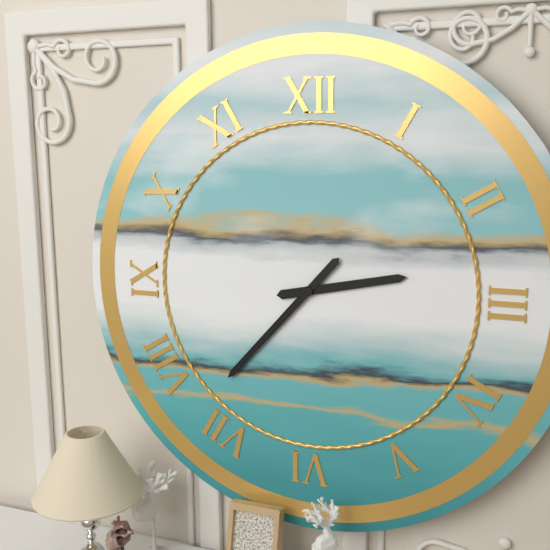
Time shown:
{"hour": 2, "minute": 37}
